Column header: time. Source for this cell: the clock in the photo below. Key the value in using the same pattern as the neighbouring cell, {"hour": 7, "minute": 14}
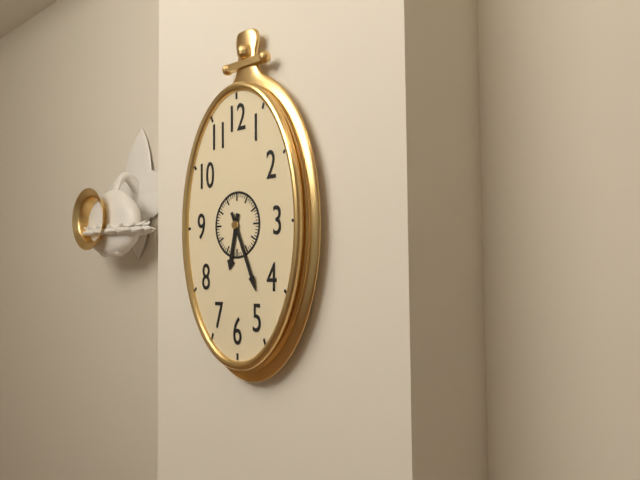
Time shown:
{"hour": 6, "minute": 26}
